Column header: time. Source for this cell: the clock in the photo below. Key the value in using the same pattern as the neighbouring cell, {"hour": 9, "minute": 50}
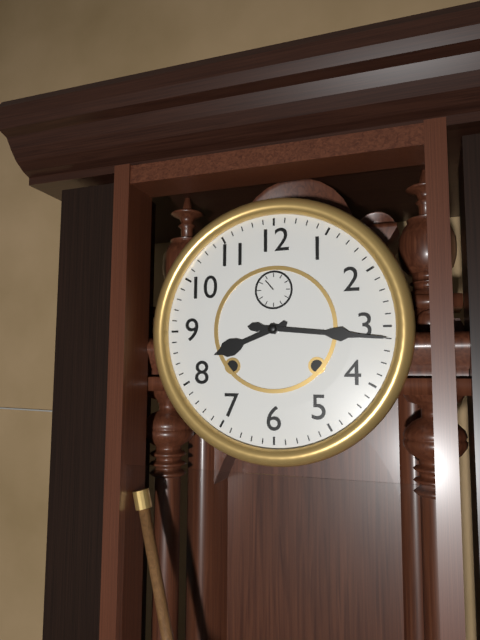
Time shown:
{"hour": 8, "minute": 16}
